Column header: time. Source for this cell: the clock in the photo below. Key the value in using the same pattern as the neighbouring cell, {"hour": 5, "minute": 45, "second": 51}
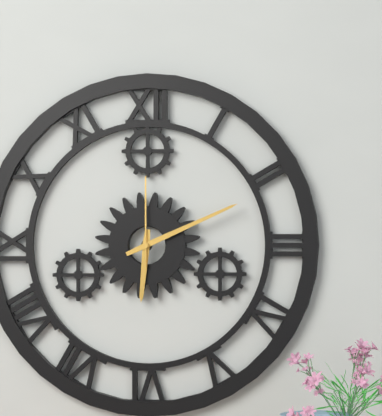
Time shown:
{"hour": 6, "minute": 11, "second": 0}
